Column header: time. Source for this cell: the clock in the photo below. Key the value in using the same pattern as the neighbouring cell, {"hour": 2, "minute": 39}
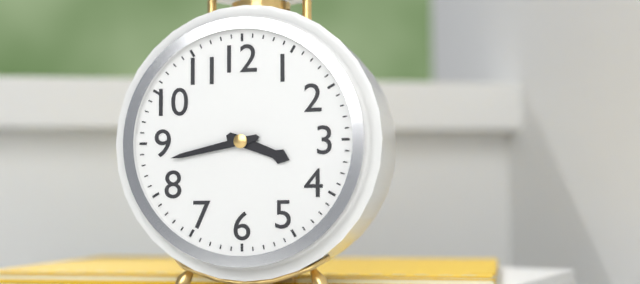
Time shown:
{"hour": 3, "minute": 43}
